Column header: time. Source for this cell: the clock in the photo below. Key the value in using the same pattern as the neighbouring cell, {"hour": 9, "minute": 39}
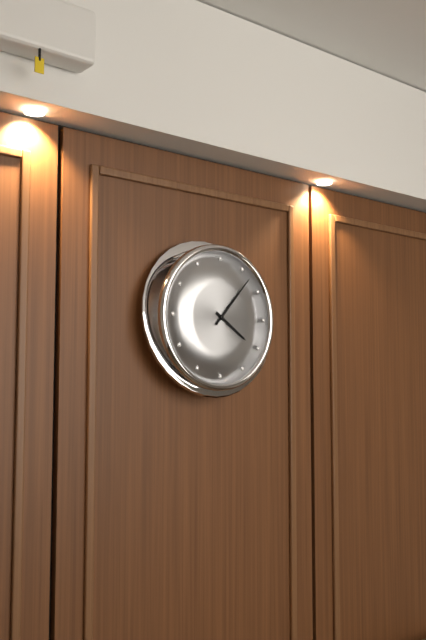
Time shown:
{"hour": 4, "minute": 7}
